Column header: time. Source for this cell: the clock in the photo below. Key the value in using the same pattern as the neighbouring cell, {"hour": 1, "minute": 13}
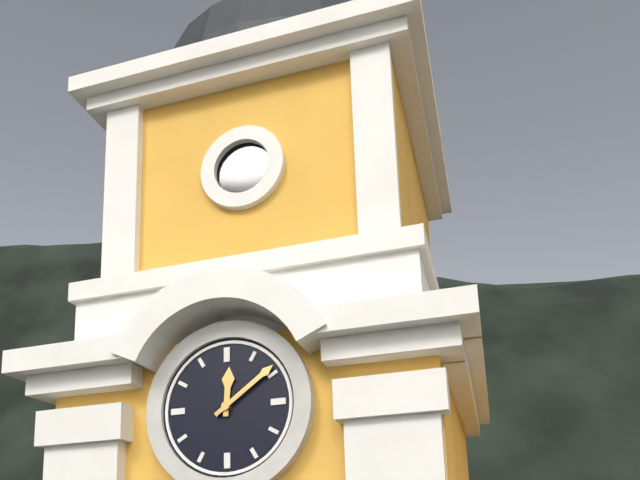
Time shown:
{"hour": 12, "minute": 9}
